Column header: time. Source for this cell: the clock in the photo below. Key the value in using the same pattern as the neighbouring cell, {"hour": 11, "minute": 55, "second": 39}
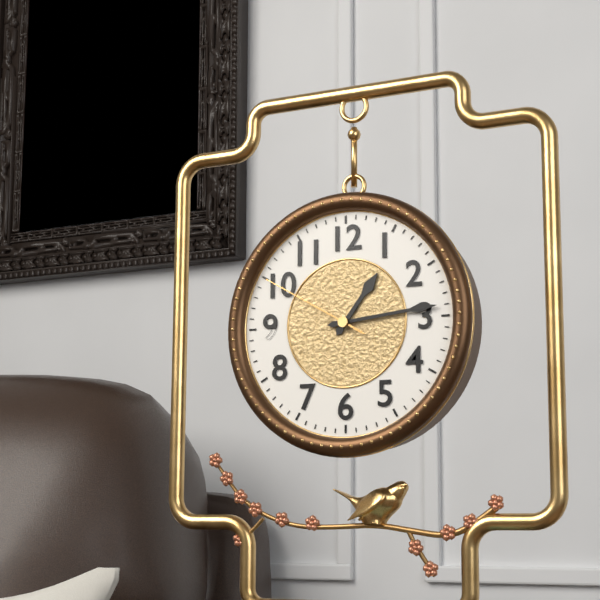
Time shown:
{"hour": 1, "minute": 14, "second": 50}
